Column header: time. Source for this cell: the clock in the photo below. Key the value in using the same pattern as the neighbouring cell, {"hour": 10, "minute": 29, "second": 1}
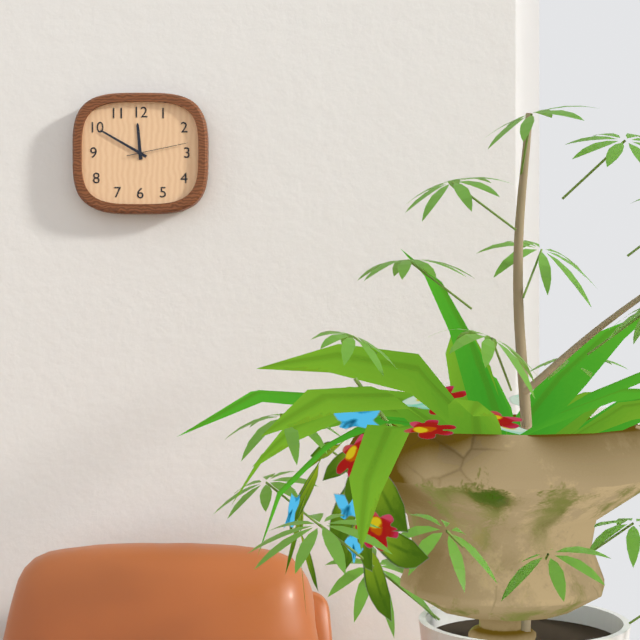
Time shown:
{"hour": 11, "minute": 50, "second": 13}
